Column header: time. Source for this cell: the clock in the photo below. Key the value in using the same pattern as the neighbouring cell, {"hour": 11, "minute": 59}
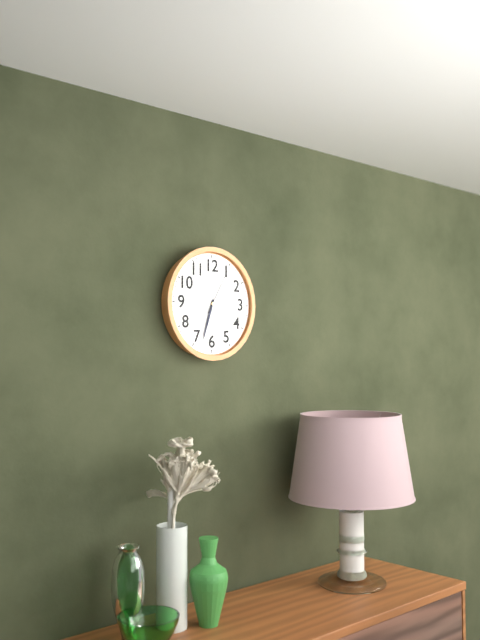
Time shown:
{"hour": 6, "minute": 33}
